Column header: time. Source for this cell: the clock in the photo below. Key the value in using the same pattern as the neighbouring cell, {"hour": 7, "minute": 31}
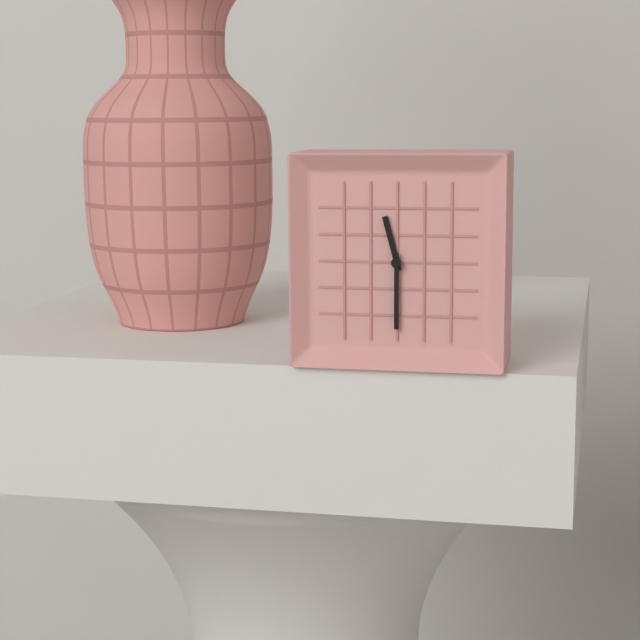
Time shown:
{"hour": 11, "minute": 30}
